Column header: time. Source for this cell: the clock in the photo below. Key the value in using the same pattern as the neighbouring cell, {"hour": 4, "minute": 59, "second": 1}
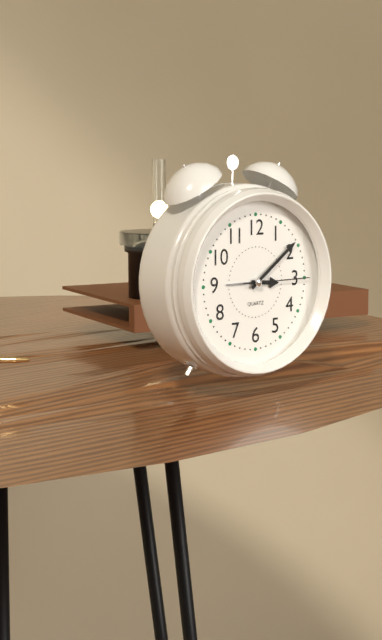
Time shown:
{"hour": 3, "minute": 9, "second": 15}
